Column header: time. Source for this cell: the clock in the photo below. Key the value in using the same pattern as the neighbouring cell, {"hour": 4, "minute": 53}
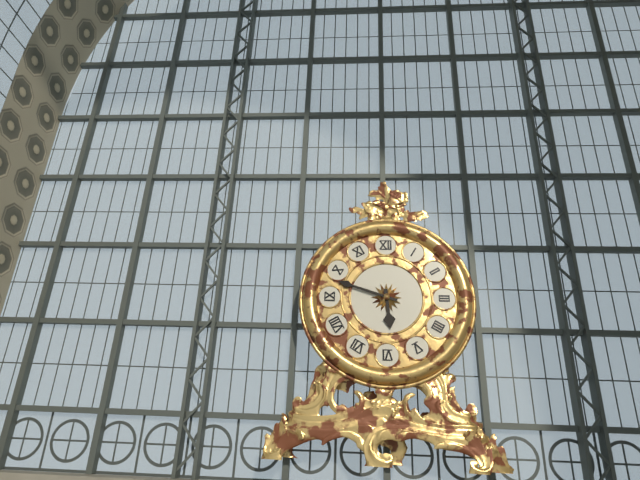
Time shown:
{"hour": 5, "minute": 48}
